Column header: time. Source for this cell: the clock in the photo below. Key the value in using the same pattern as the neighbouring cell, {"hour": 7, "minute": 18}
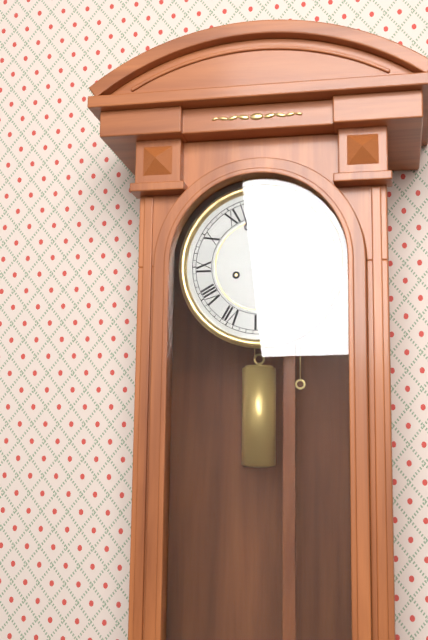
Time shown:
{"hour": 1, "minute": 57}
